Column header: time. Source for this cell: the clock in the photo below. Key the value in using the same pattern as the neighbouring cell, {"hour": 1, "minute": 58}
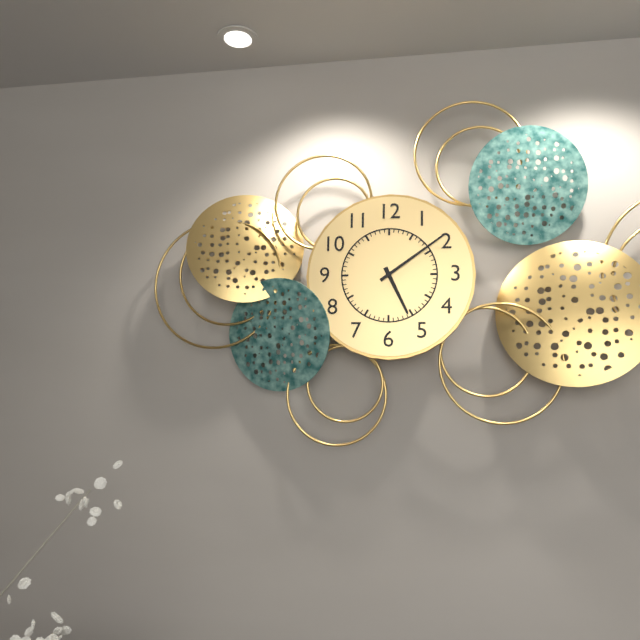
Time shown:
{"hour": 5, "minute": 9}
